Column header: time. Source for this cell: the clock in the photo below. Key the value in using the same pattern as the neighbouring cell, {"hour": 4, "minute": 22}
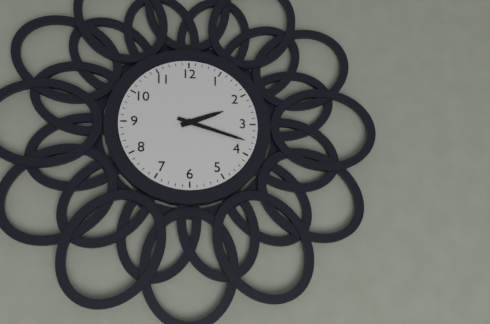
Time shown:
{"hour": 2, "minute": 18}
